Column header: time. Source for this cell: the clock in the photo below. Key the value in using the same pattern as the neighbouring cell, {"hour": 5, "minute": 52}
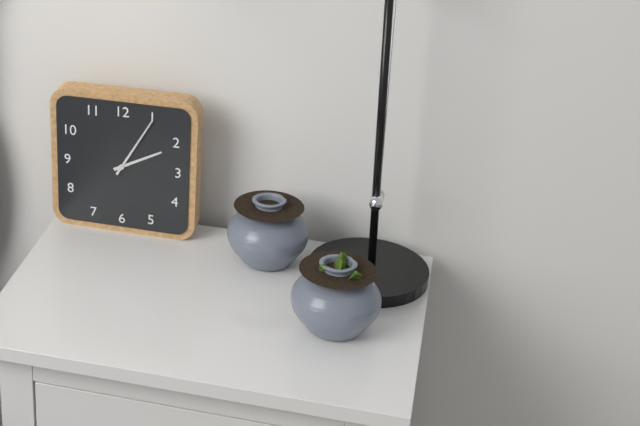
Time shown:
{"hour": 2, "minute": 5}
